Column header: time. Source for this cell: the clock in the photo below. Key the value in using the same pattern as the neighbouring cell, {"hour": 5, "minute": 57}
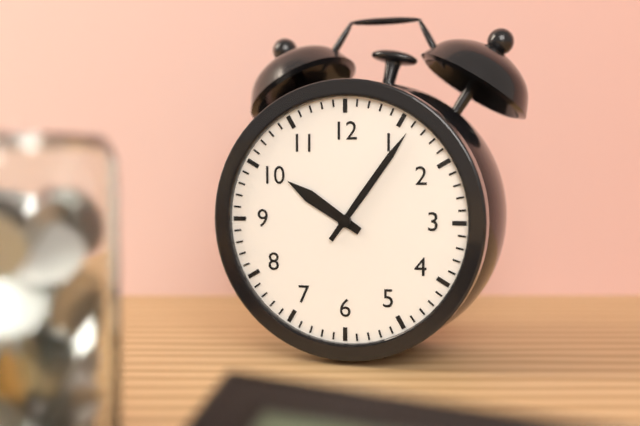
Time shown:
{"hour": 10, "minute": 6}
